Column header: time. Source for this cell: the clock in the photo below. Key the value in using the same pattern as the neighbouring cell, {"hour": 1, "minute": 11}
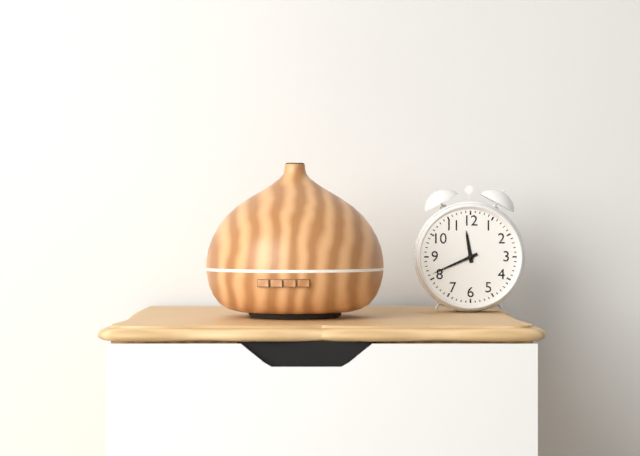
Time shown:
{"hour": 11, "minute": 41}
